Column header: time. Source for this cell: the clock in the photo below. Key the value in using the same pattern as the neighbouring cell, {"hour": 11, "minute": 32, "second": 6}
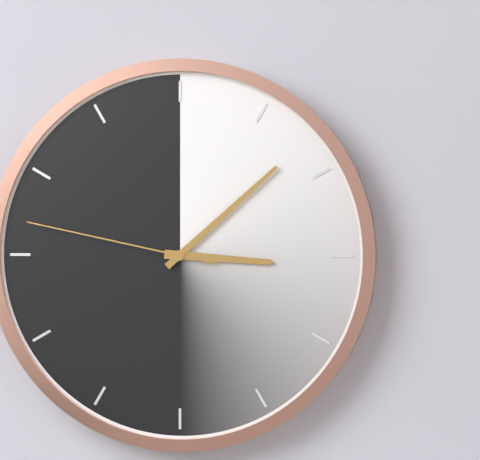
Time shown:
{"hour": 3, "minute": 8, "second": 47}
